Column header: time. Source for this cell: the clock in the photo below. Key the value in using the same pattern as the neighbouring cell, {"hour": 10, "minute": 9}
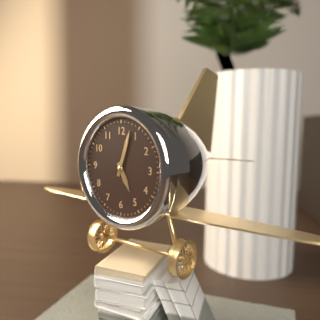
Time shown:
{"hour": 5, "minute": 3}
